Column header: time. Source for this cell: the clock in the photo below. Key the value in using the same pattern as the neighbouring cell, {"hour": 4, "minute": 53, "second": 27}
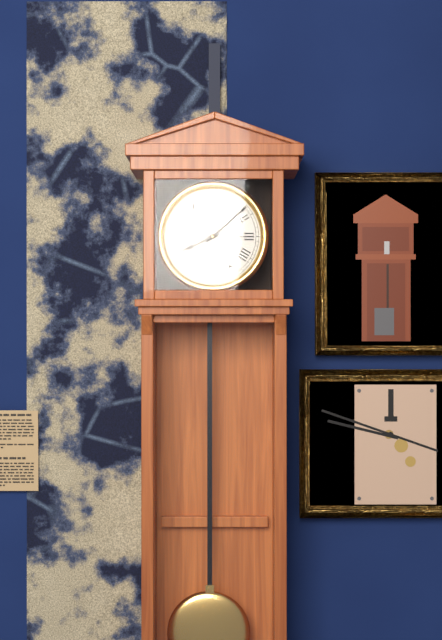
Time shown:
{"hour": 8, "minute": 8, "second": 15}
